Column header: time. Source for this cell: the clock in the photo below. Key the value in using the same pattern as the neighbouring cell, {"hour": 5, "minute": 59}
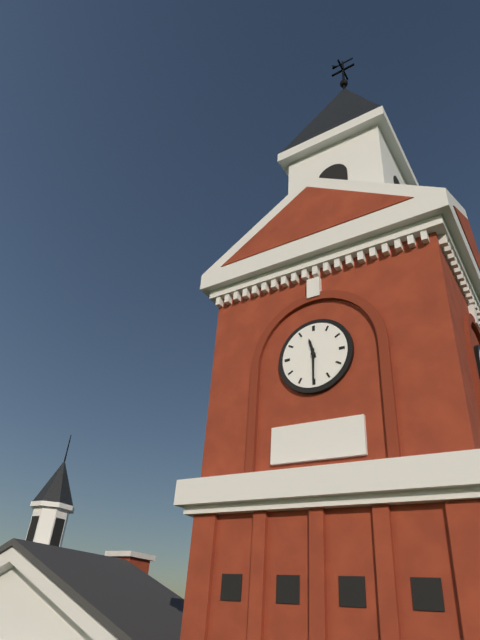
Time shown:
{"hour": 11, "minute": 30}
